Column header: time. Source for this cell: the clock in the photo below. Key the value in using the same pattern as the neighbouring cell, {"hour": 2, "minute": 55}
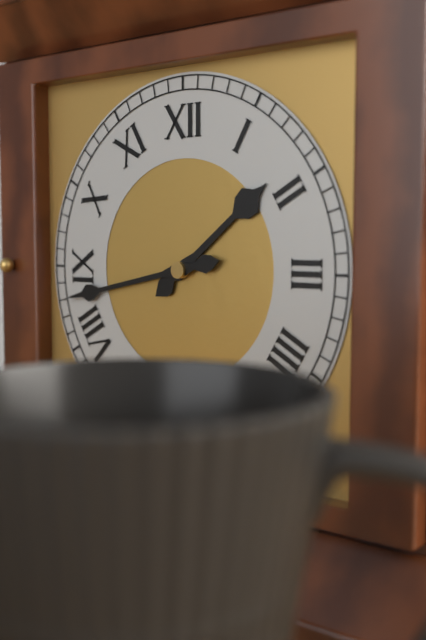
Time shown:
{"hour": 1, "minute": 43}
